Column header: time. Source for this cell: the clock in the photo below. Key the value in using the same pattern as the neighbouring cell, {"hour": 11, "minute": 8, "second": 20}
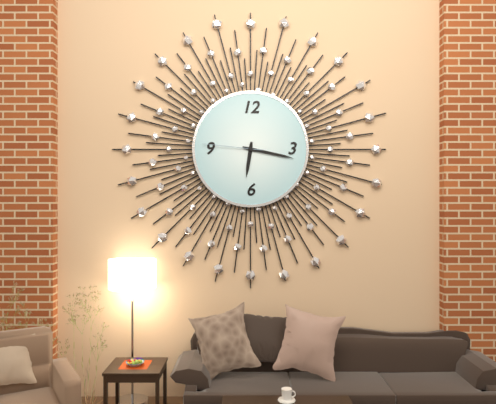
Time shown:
{"hour": 6, "minute": 17, "second": 46}
